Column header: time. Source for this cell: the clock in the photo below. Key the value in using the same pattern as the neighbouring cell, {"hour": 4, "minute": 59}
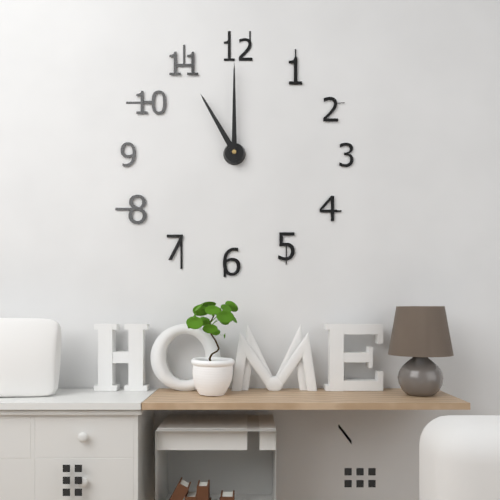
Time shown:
{"hour": 11, "minute": 0}
